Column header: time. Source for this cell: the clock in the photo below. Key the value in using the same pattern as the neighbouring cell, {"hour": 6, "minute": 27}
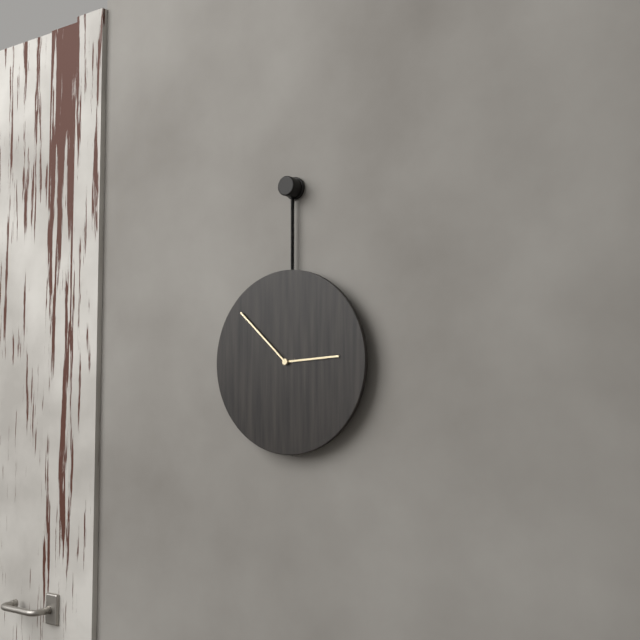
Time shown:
{"hour": 2, "minute": 52}
